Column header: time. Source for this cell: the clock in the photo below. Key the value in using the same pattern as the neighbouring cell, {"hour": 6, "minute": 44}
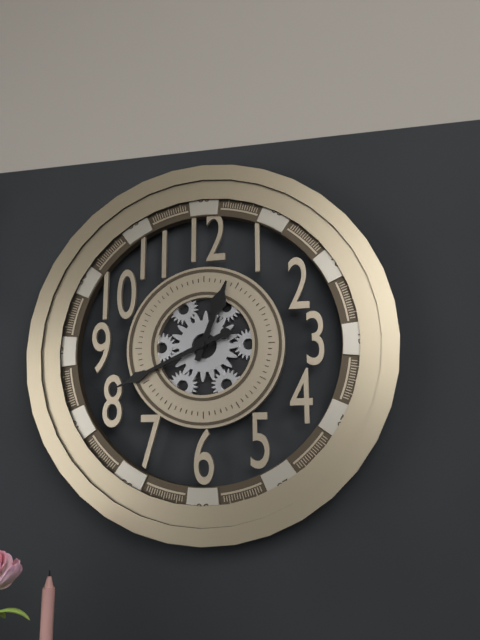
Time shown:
{"hour": 12, "minute": 41}
